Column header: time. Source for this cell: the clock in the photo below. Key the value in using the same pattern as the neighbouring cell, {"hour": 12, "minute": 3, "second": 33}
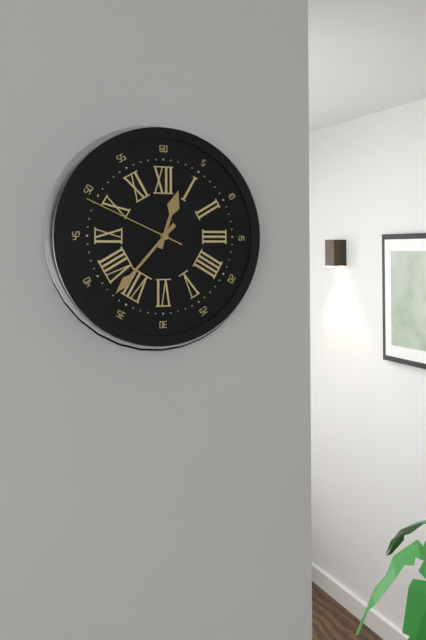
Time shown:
{"hour": 12, "minute": 37, "second": 49}
